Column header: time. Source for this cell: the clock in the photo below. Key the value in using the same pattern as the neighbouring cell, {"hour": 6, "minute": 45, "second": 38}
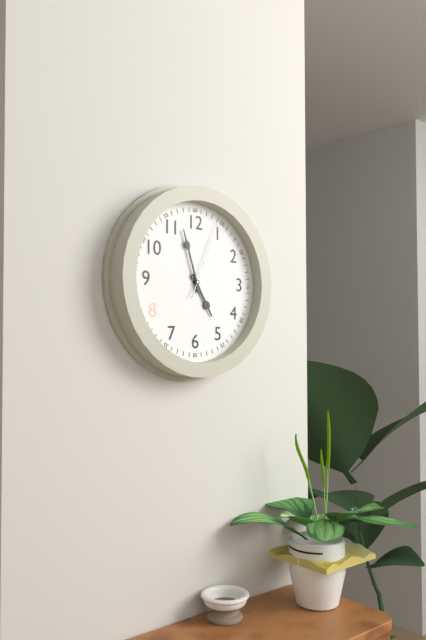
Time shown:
{"hour": 4, "minute": 57, "second": 4}
